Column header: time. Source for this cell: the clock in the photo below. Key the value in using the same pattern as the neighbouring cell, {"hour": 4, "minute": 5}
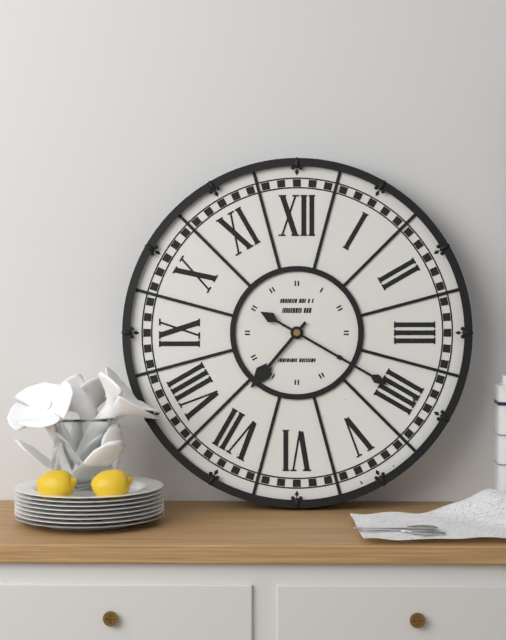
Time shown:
{"hour": 7, "minute": 20}
